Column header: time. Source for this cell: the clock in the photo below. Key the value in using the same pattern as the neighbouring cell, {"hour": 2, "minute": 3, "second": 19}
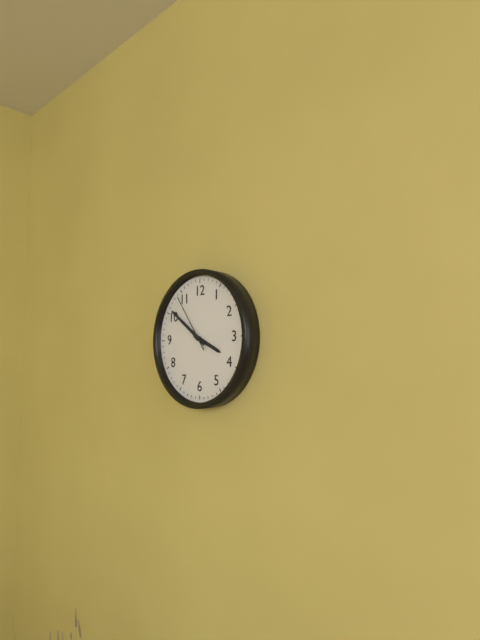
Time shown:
{"hour": 3, "minute": 51, "second": 54}
